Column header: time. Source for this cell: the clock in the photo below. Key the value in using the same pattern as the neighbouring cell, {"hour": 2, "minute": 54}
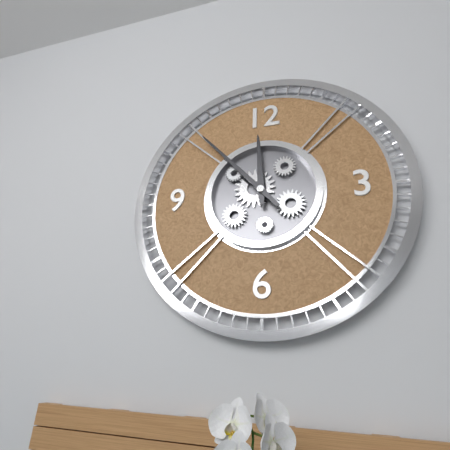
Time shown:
{"hour": 11, "minute": 53}
